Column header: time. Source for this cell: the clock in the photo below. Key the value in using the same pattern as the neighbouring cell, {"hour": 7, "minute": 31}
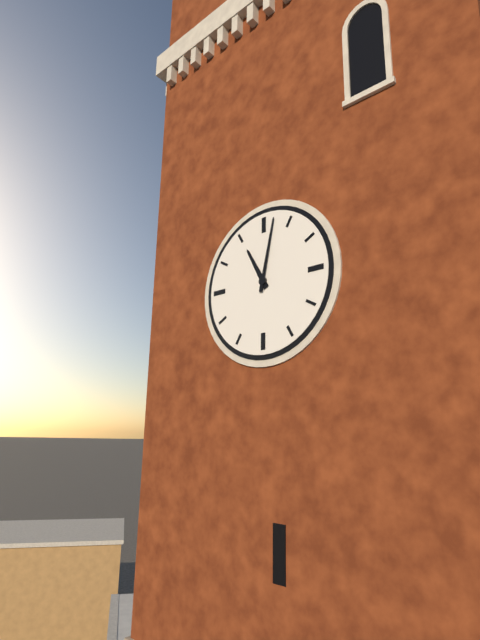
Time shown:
{"hour": 11, "minute": 2}
